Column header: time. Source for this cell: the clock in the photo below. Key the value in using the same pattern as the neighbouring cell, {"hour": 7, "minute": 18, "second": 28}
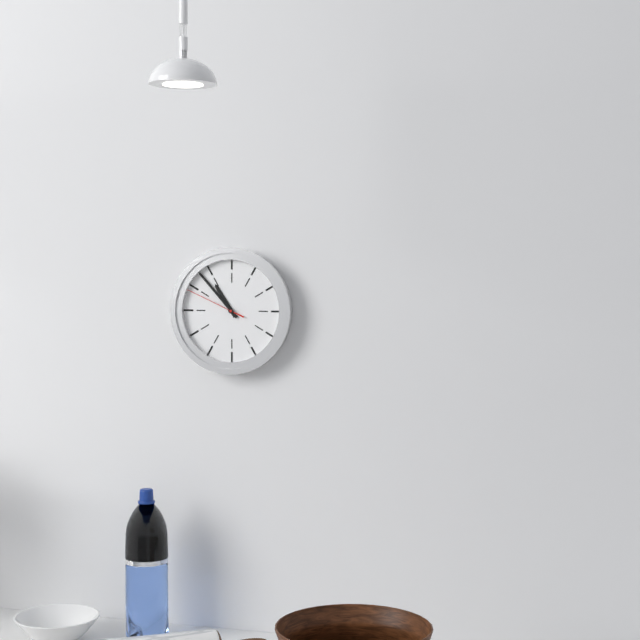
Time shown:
{"hour": 10, "minute": 53, "second": 49}
